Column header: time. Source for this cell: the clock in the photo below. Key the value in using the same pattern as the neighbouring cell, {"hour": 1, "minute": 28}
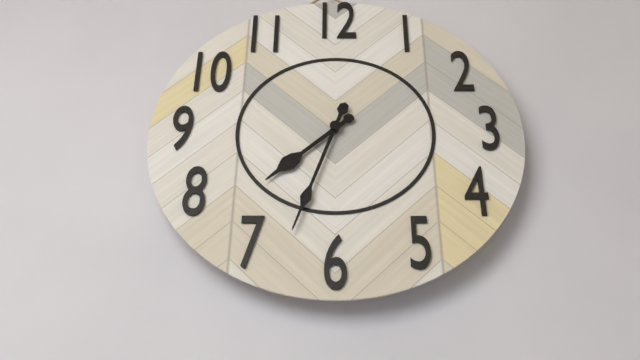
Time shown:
{"hour": 7, "minute": 33}
